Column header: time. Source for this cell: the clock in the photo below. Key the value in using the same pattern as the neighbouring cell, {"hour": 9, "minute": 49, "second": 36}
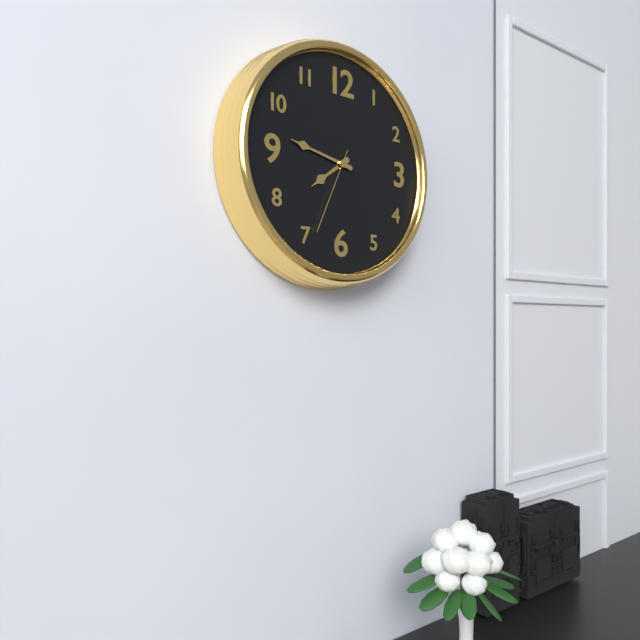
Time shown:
{"hour": 7, "minute": 47, "second": 34}
